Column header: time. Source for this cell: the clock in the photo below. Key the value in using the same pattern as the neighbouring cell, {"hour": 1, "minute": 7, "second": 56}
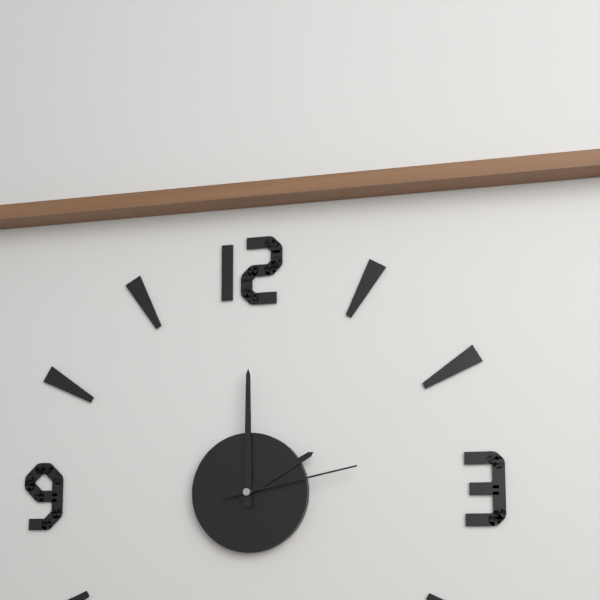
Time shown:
{"hour": 2, "minute": 0, "second": 13}
